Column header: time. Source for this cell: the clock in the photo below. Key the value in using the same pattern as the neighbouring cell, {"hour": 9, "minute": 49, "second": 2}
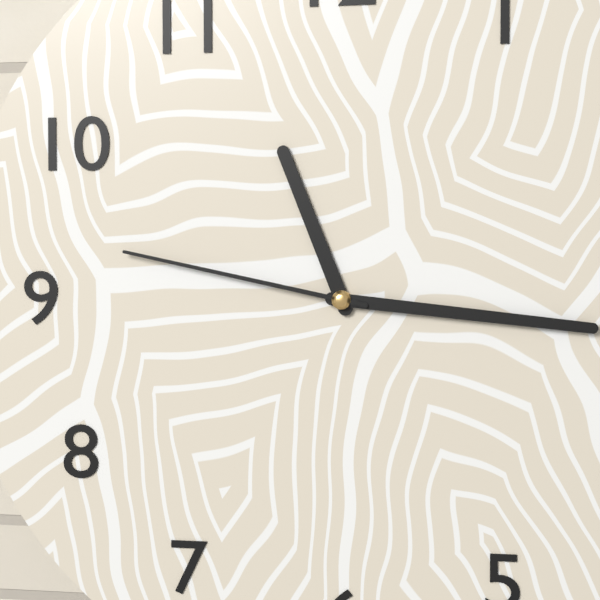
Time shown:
{"hour": 11, "minute": 16, "second": 47}
